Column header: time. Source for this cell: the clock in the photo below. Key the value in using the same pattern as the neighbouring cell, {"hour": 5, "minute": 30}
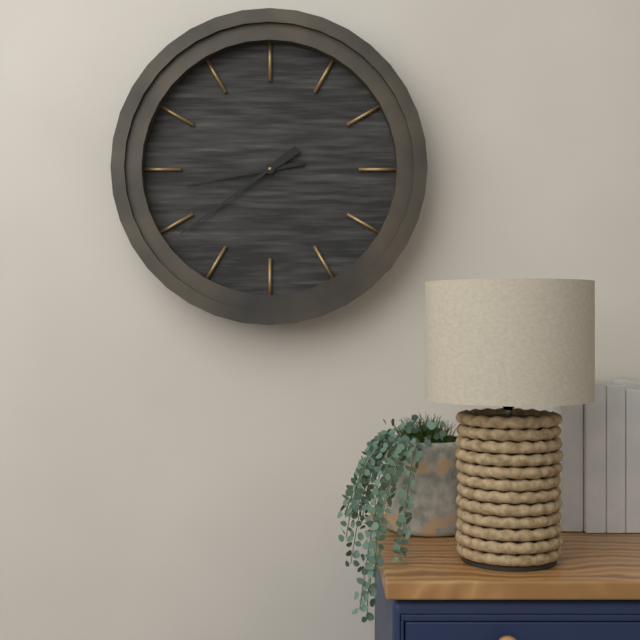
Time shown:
{"hour": 8, "minute": 39}
